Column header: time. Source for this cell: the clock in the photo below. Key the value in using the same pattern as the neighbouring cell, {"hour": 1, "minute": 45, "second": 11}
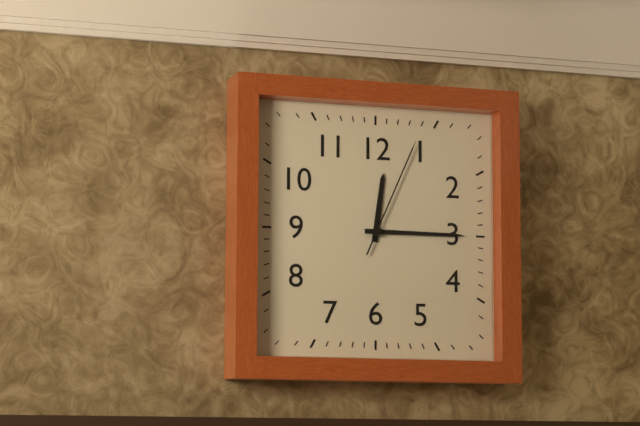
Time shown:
{"hour": 12, "minute": 15, "second": 4}
